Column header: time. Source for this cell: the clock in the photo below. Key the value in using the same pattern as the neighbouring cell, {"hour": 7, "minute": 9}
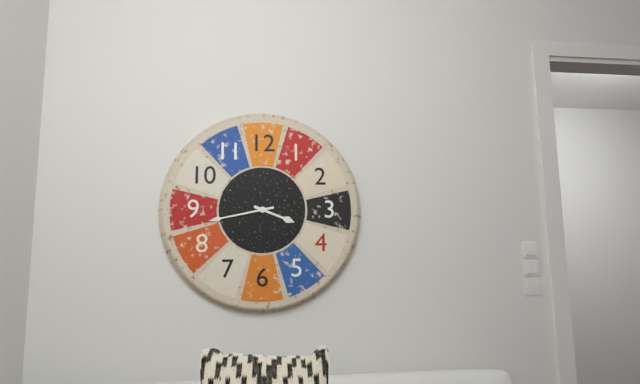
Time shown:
{"hour": 3, "minute": 43}
